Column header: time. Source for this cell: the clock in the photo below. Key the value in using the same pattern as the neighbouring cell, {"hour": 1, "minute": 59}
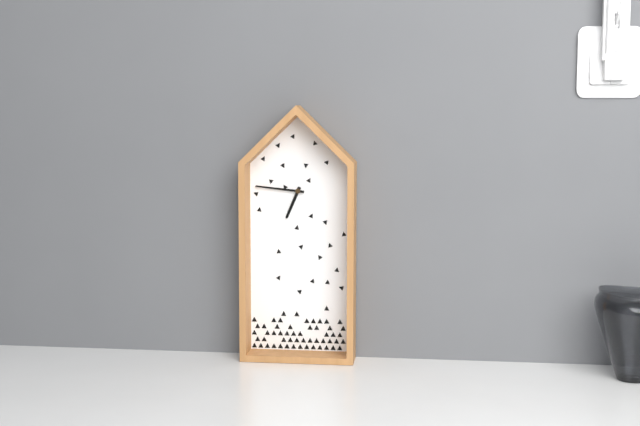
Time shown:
{"hour": 6, "minute": 46}
